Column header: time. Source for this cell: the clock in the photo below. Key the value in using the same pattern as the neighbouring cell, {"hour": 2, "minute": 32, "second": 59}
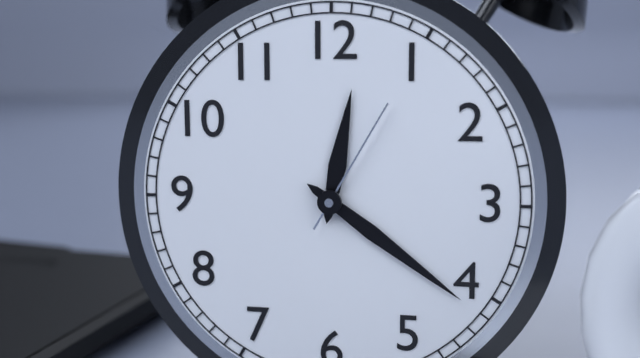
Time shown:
{"hour": 12, "minute": 21, "second": 5}
